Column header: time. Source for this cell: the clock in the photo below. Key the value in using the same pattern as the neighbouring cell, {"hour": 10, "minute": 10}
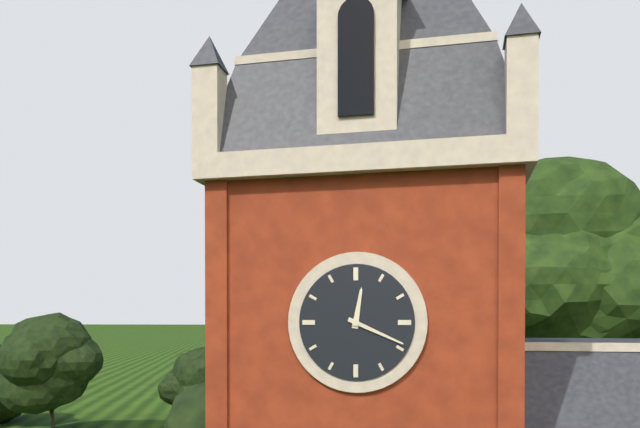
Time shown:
{"hour": 12, "minute": 19}
